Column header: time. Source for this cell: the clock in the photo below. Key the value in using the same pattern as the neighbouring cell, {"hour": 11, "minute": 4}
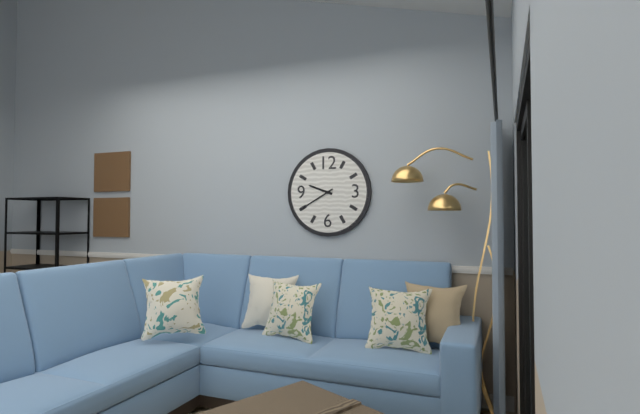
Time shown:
{"hour": 9, "minute": 40}
